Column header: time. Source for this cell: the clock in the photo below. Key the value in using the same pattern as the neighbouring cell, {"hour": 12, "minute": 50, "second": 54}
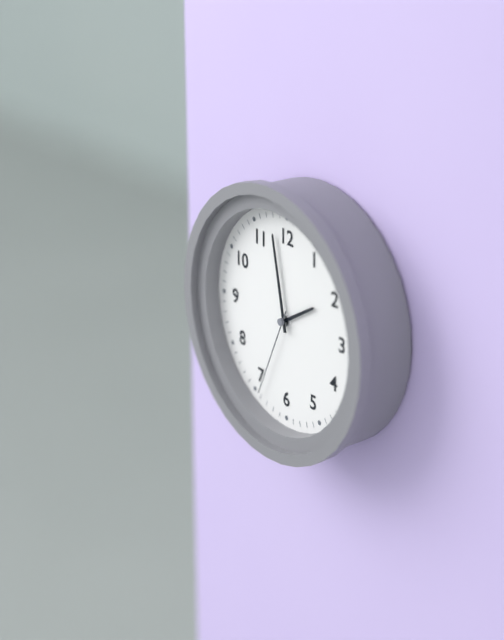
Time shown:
{"hour": 1, "minute": 58, "second": 34}
